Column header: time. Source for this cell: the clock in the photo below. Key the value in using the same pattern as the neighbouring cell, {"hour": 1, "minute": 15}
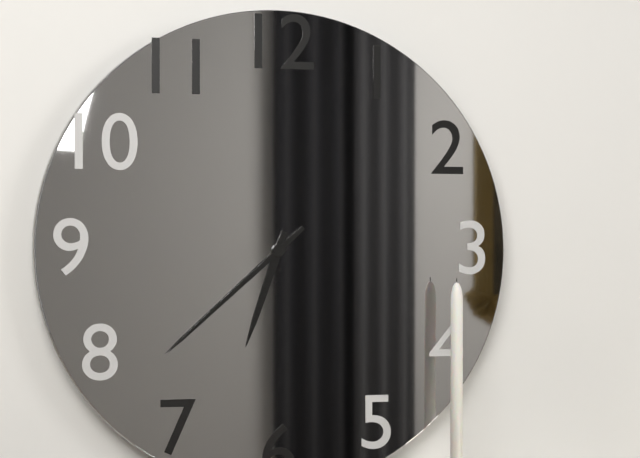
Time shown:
{"hour": 6, "minute": 38}
